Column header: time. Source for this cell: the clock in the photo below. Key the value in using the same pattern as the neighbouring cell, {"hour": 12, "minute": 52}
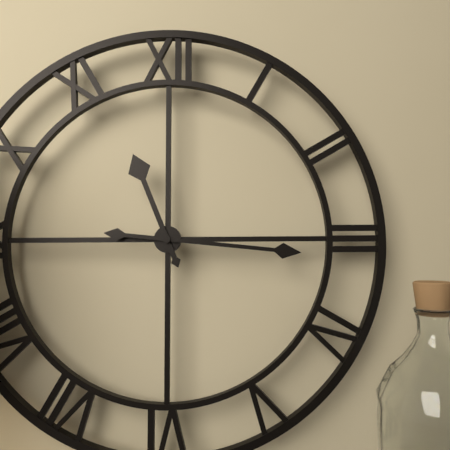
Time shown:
{"hour": 11, "minute": 16}
